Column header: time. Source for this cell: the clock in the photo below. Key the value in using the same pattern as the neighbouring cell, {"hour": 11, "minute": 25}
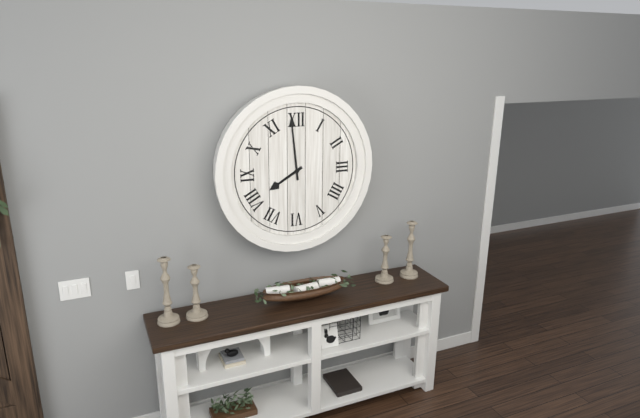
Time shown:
{"hour": 7, "minute": 59}
